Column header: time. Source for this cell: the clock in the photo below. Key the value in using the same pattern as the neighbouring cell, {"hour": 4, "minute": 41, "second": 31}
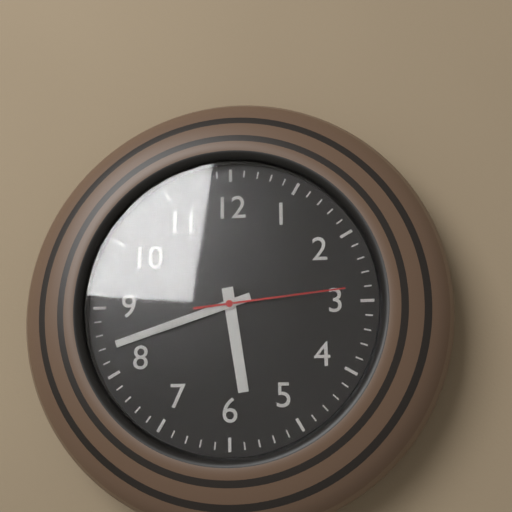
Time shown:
{"hour": 5, "minute": 42, "second": 14}
